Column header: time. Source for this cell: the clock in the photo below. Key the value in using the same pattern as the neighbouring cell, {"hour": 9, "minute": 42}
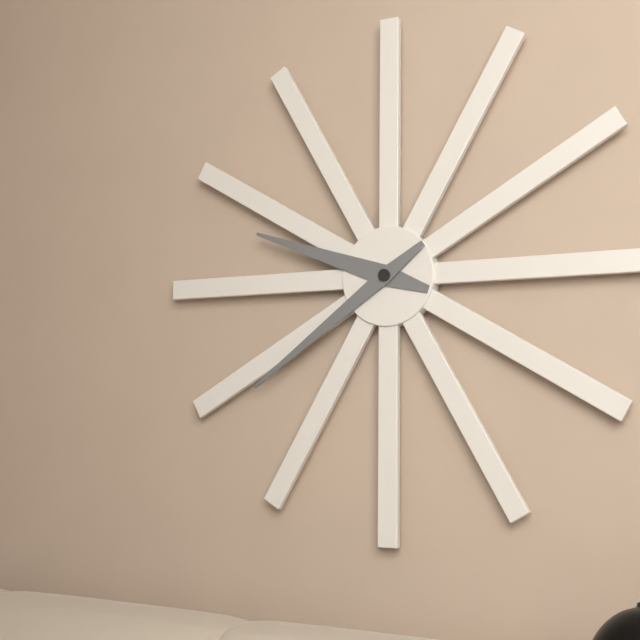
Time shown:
{"hour": 9, "minute": 39}
